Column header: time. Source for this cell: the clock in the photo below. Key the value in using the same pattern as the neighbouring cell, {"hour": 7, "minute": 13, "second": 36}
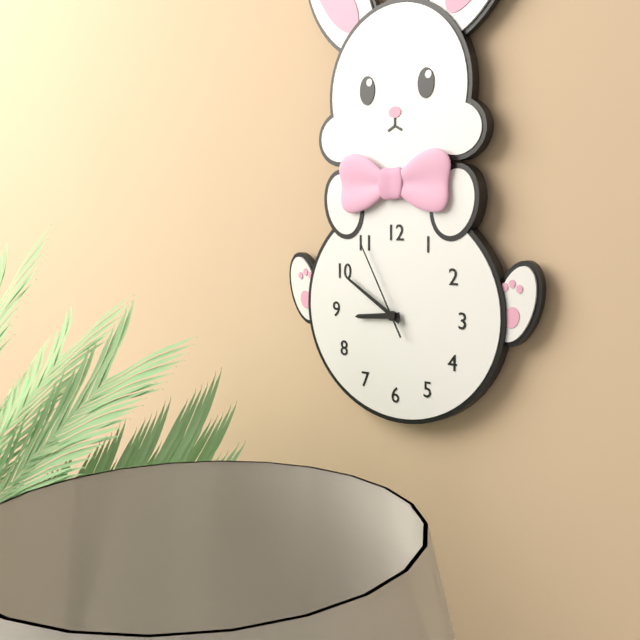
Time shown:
{"hour": 8, "minute": 50, "second": 55}
